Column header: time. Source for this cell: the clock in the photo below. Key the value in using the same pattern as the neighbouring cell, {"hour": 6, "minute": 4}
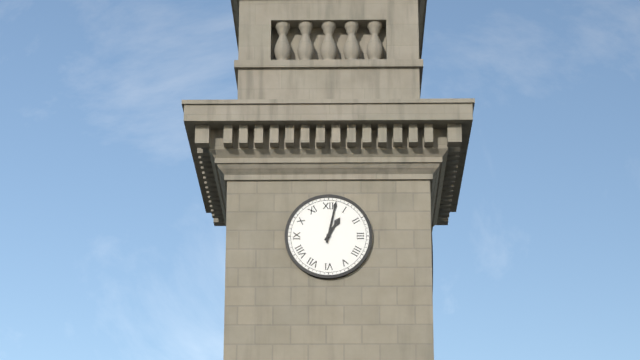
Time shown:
{"hour": 1, "minute": 2}
